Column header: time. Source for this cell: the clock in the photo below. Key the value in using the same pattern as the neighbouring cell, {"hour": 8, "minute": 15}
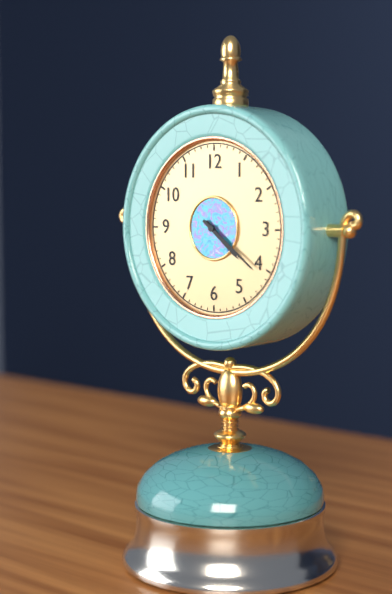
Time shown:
{"hour": 4, "minute": 21}
